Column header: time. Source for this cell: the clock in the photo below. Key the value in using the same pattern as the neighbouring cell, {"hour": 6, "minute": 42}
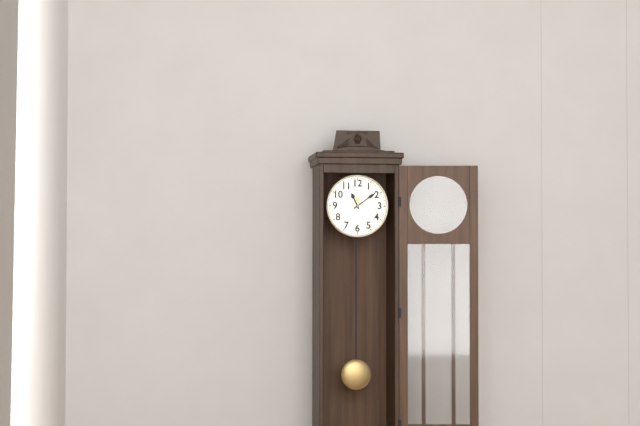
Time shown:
{"hour": 11, "minute": 9}
